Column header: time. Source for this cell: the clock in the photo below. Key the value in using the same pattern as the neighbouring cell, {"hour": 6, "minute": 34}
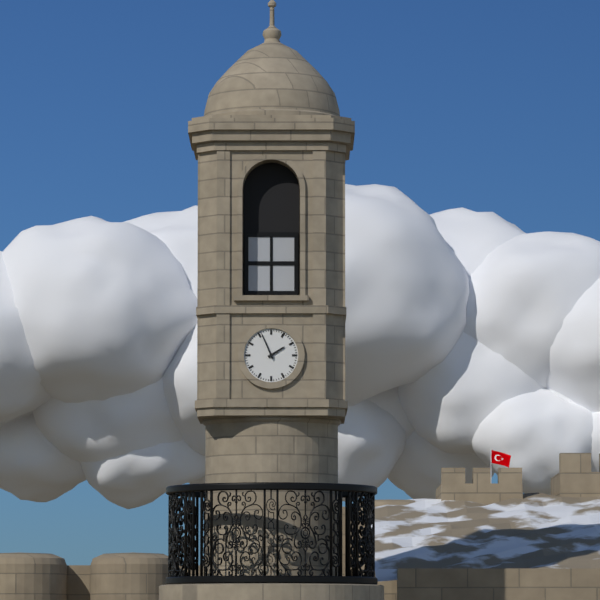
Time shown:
{"hour": 1, "minute": 56}
